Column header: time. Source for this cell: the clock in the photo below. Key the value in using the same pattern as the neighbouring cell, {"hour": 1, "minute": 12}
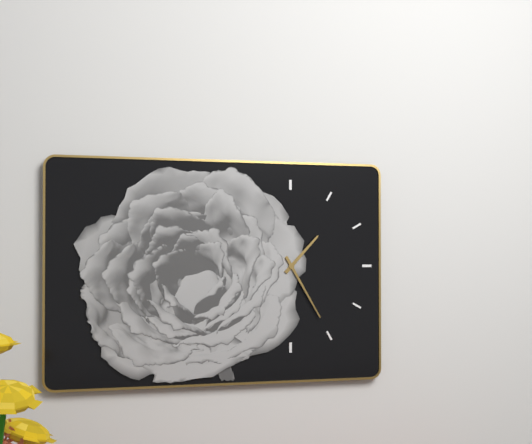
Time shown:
{"hour": 1, "minute": 25}
